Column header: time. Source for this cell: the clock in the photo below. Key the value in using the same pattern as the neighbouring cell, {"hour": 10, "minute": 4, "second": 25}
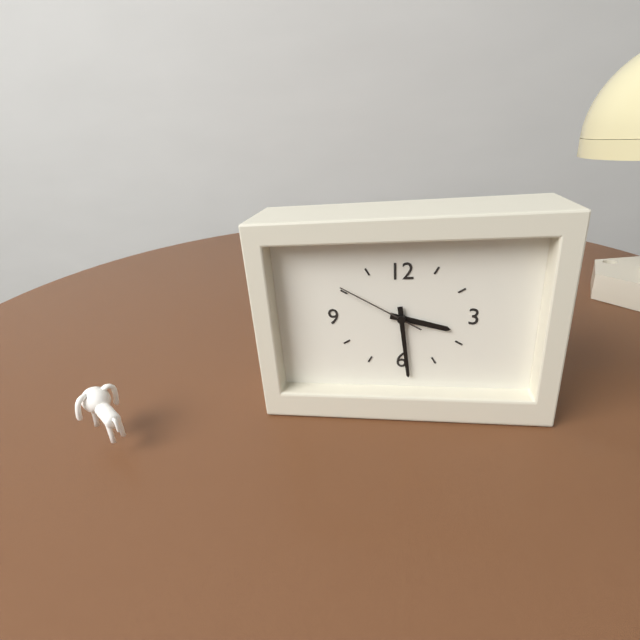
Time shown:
{"hour": 3, "minute": 29, "second": 50}
